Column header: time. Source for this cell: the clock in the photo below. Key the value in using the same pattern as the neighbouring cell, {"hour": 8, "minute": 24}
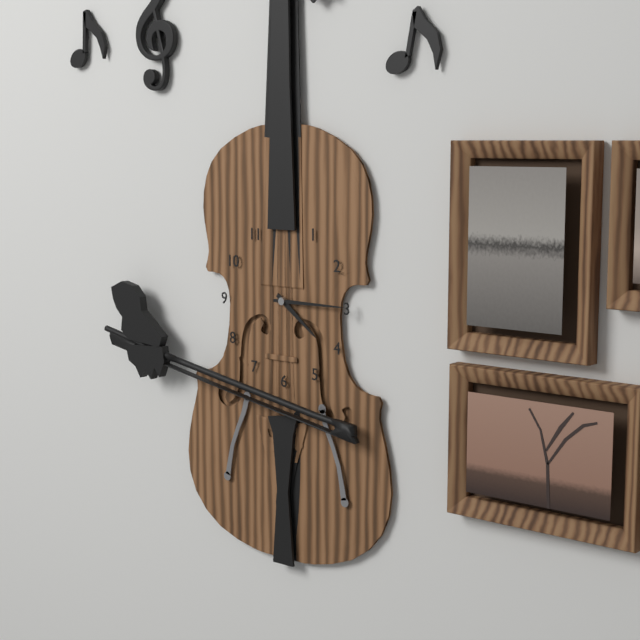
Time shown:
{"hour": 4, "minute": 15}
